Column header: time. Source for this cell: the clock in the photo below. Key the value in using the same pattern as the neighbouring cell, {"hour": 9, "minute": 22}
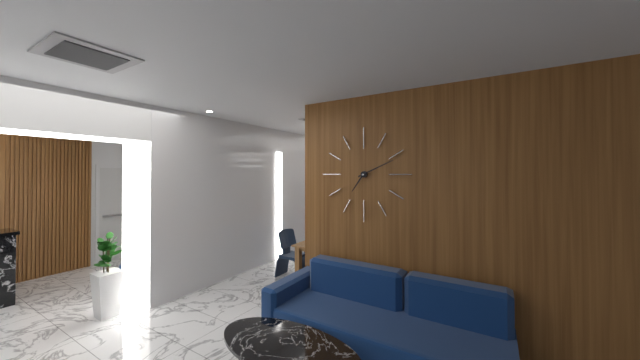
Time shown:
{"hour": 7, "minute": 11}
